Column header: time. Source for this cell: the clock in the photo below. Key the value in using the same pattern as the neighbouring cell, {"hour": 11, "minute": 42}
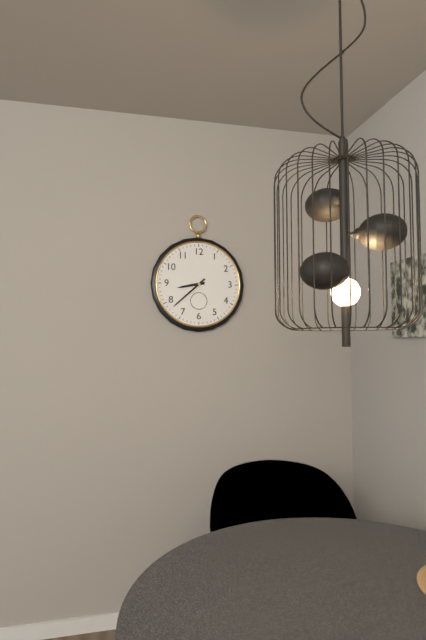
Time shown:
{"hour": 8, "minute": 38}
